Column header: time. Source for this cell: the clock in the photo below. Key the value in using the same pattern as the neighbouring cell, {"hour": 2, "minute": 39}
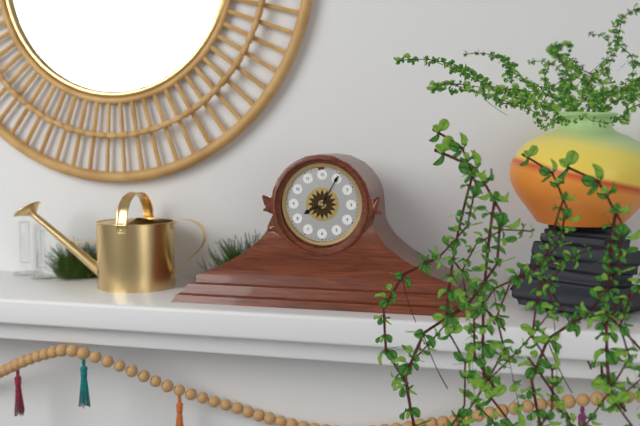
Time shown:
{"hour": 8, "minute": 5}
